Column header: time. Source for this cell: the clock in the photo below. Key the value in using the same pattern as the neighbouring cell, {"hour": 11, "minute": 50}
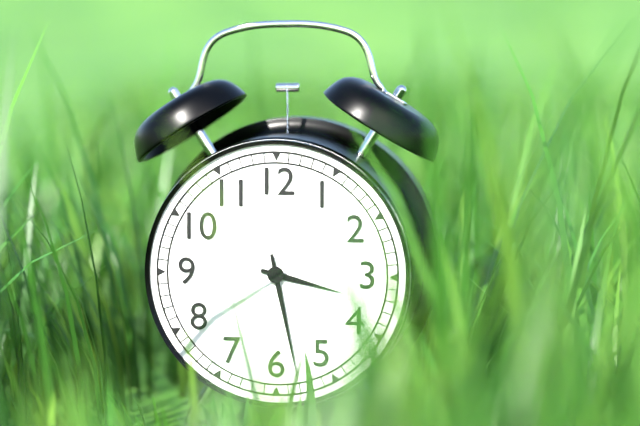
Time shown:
{"hour": 3, "minute": 28}
